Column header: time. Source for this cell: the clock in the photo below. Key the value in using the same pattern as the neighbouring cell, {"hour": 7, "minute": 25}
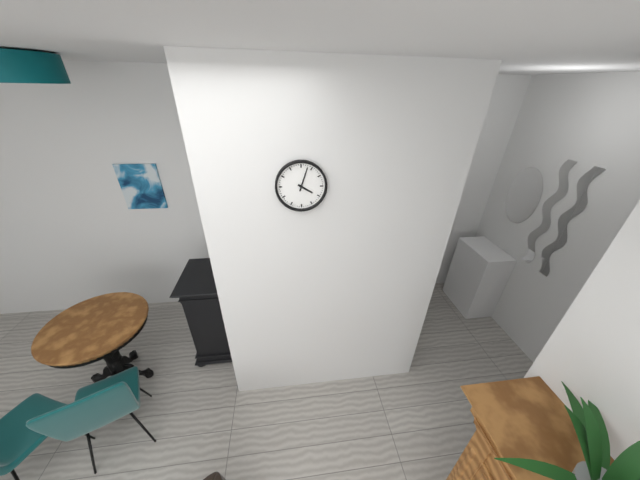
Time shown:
{"hour": 4, "minute": 3}
